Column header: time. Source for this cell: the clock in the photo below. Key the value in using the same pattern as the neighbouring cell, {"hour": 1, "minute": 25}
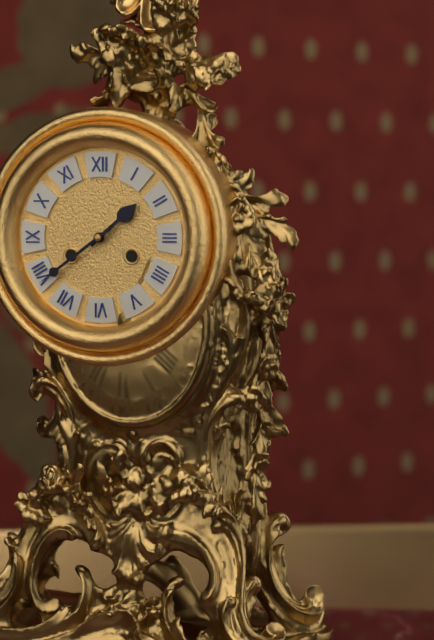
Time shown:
{"hour": 1, "minute": 39}
